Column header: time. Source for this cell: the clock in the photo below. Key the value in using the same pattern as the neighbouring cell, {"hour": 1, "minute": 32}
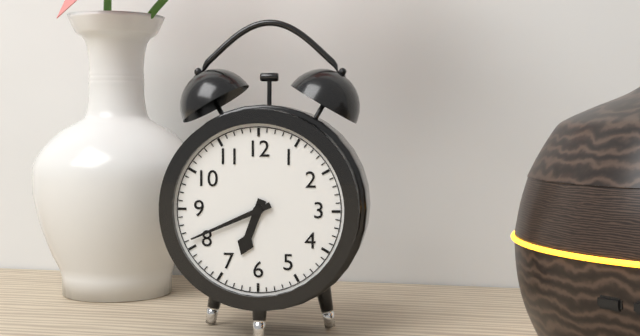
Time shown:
{"hour": 6, "minute": 41}
